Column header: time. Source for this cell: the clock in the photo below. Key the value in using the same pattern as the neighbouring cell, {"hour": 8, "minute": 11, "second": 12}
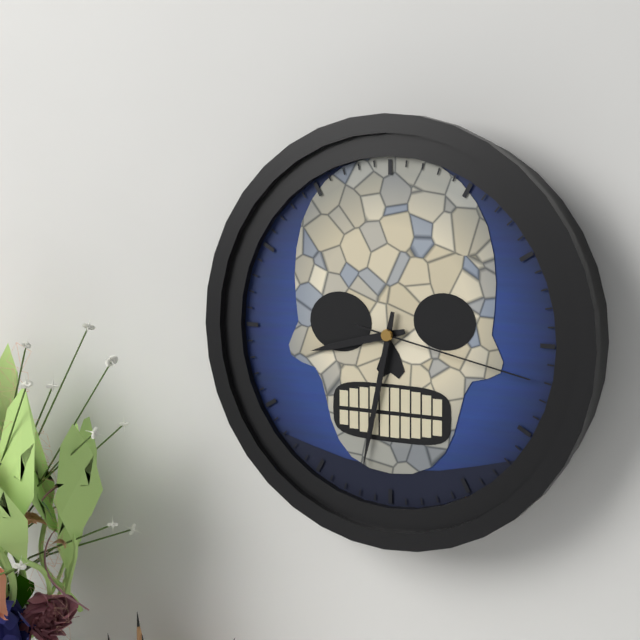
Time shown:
{"hour": 8, "minute": 32, "second": 17}
